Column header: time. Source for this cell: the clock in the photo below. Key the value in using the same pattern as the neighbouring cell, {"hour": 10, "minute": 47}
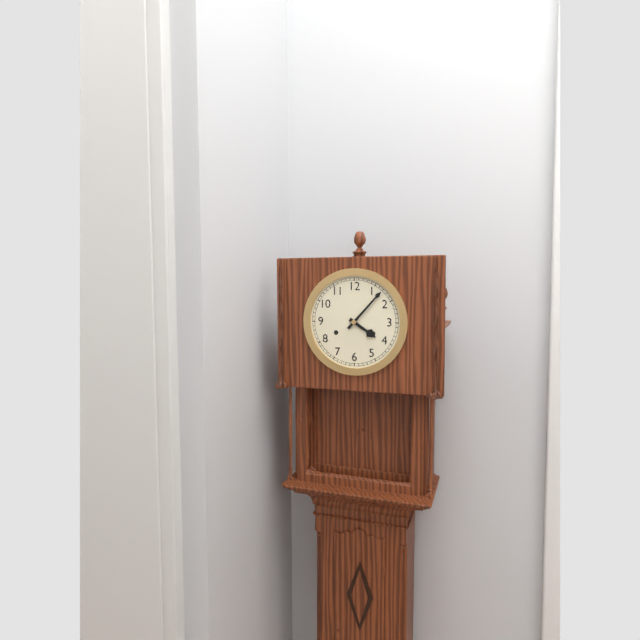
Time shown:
{"hour": 4, "minute": 7}
